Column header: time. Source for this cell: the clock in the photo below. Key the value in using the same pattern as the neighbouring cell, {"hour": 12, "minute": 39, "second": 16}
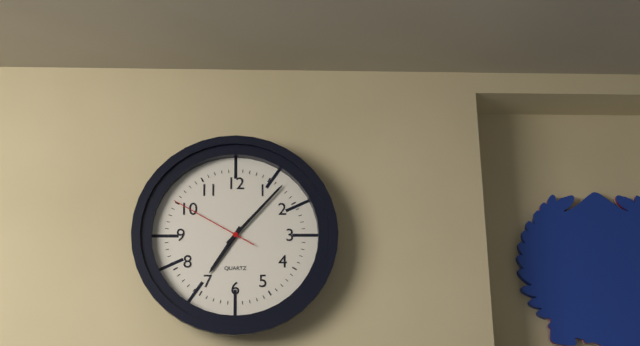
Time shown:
{"hour": 7, "minute": 7, "second": 50}
